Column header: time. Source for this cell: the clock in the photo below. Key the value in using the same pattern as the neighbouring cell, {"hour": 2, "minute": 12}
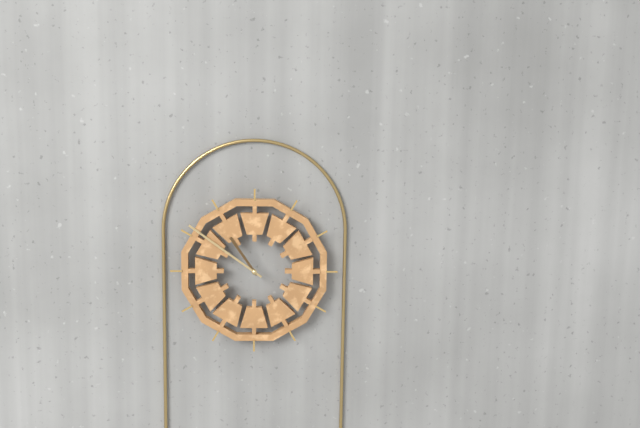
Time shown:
{"hour": 10, "minute": 51}
